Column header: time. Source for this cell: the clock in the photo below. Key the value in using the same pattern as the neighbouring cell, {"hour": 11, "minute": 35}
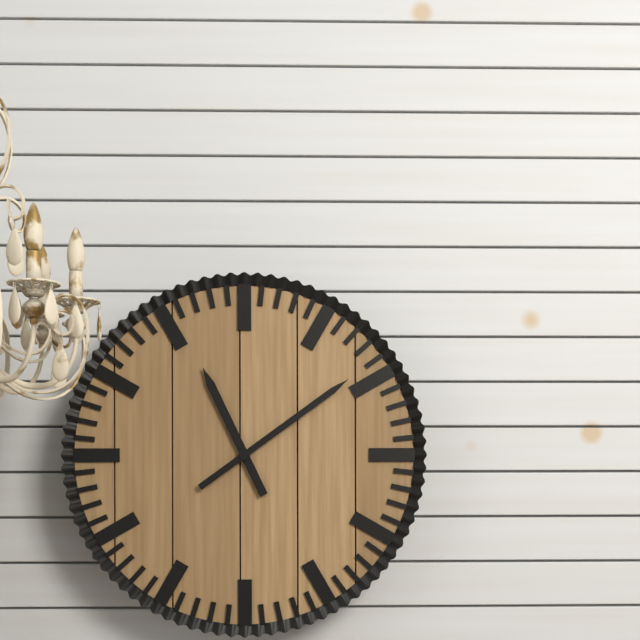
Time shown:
{"hour": 11, "minute": 9}
